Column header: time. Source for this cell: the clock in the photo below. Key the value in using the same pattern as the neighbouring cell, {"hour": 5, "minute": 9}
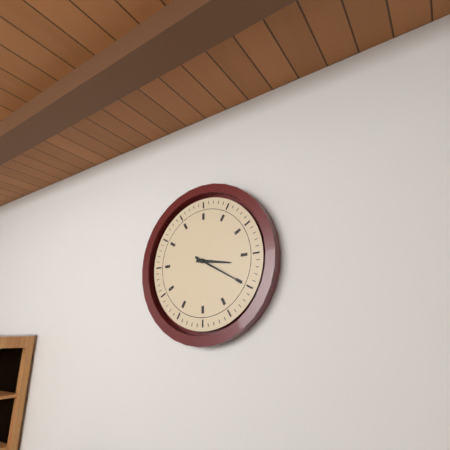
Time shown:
{"hour": 3, "minute": 20}
